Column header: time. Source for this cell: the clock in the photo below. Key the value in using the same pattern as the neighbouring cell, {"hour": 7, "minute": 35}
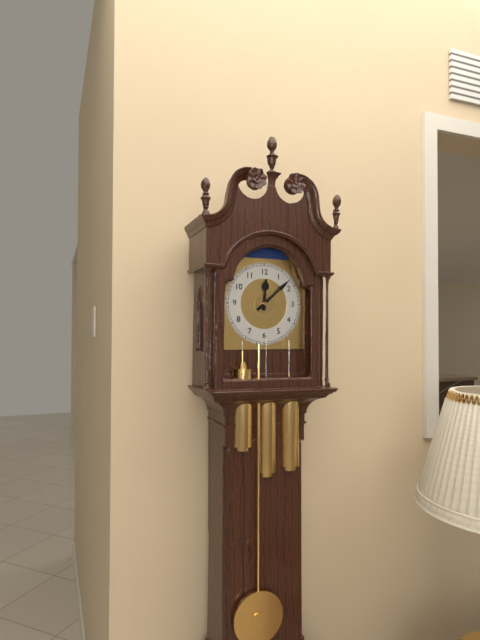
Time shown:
{"hour": 12, "minute": 8}
